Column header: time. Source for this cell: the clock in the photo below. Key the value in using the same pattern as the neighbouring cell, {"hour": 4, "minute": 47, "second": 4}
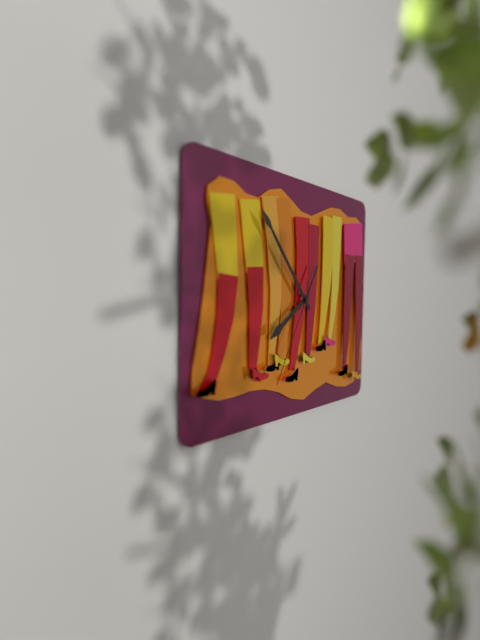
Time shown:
{"hour": 7, "minute": 53, "second": 35}
